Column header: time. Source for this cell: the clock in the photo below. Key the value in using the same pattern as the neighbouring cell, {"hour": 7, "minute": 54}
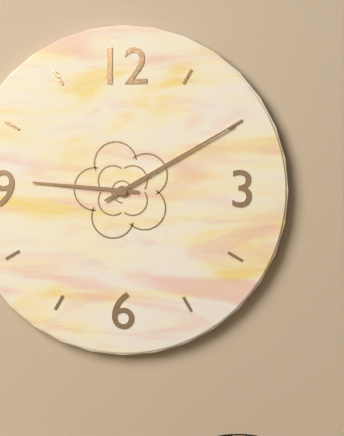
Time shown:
{"hour": 9, "minute": 10}
